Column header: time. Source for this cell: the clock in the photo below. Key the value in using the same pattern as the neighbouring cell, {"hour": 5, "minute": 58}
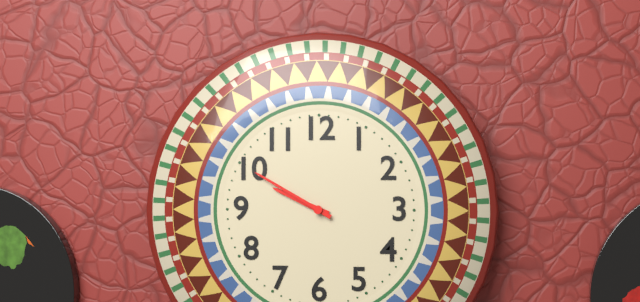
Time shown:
{"hour": 9, "minute": 50}
